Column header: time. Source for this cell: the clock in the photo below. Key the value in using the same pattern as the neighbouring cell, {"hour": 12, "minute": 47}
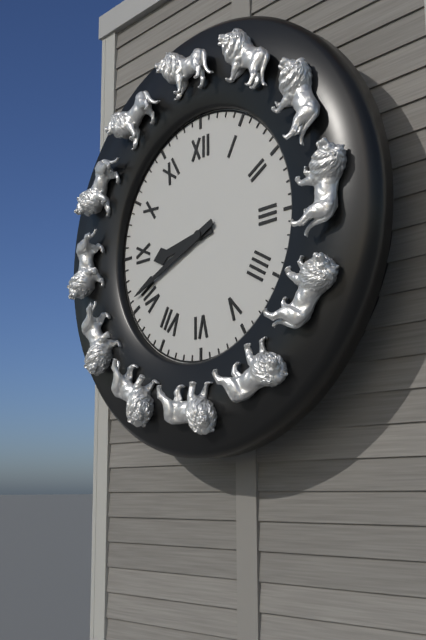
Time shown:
{"hour": 8, "minute": 41}
